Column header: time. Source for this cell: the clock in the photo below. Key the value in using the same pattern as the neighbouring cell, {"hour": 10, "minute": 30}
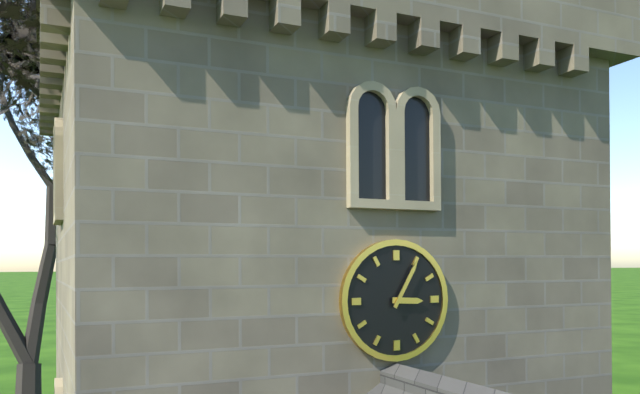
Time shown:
{"hour": 3, "minute": 5}
